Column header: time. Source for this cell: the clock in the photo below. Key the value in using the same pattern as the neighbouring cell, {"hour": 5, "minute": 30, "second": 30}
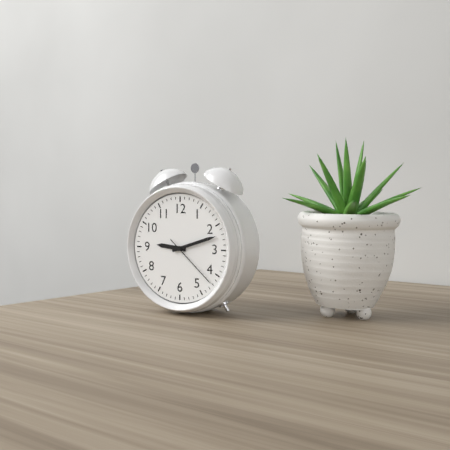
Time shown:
{"hour": 9, "minute": 12, "second": 22}
